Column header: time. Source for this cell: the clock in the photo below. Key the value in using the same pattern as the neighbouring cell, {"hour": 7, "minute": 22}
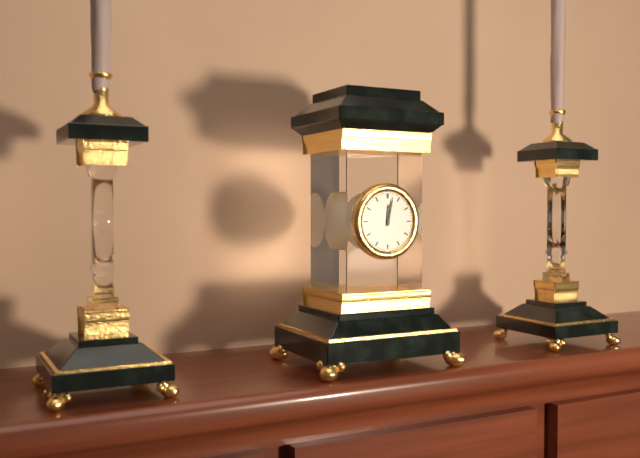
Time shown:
{"hour": 12, "minute": 2}
